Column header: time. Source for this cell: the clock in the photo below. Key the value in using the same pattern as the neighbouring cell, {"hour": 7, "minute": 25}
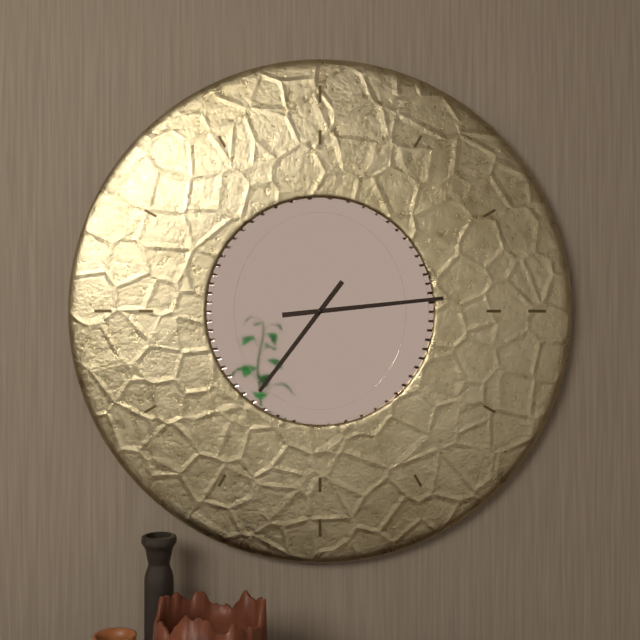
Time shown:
{"hour": 7, "minute": 14}
